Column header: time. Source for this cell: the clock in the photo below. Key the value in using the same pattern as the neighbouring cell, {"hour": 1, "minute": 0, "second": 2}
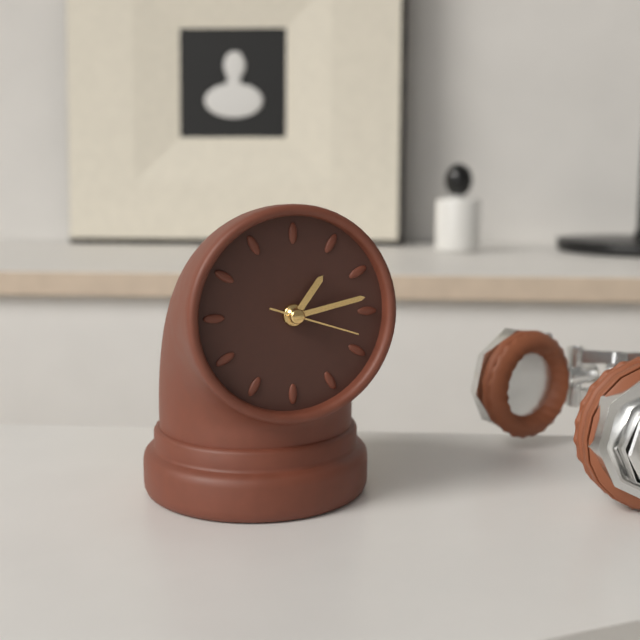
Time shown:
{"hour": 1, "minute": 13, "second": 18}
